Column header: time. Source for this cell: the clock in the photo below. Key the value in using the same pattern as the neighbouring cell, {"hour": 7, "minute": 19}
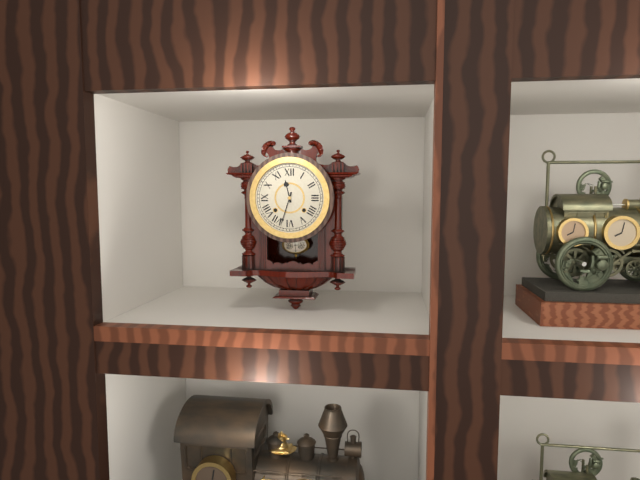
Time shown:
{"hour": 11, "minute": 33}
